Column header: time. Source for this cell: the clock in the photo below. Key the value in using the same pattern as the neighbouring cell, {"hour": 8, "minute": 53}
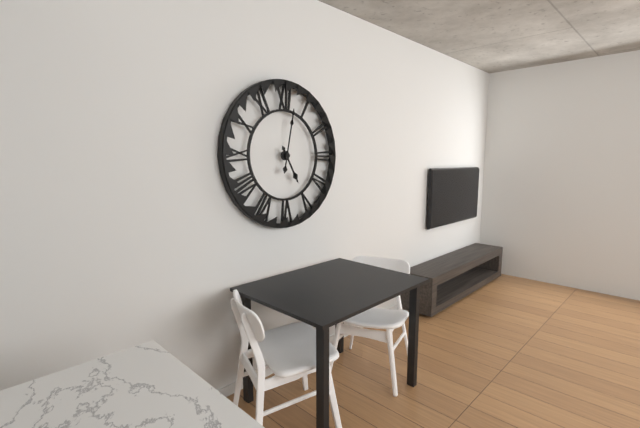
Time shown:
{"hour": 5, "minute": 2}
